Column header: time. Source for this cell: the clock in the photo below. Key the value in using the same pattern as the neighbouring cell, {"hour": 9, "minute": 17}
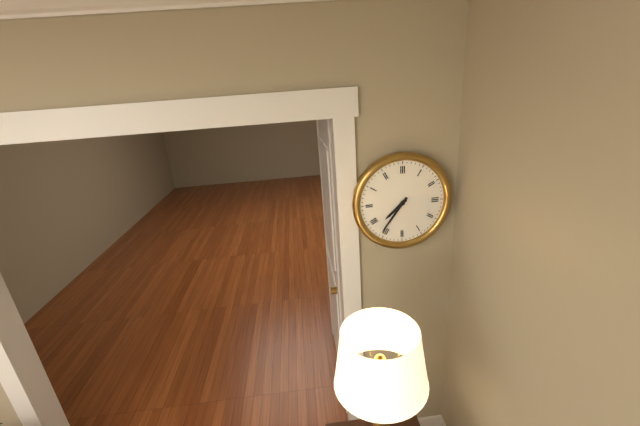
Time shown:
{"hour": 7, "minute": 36}
